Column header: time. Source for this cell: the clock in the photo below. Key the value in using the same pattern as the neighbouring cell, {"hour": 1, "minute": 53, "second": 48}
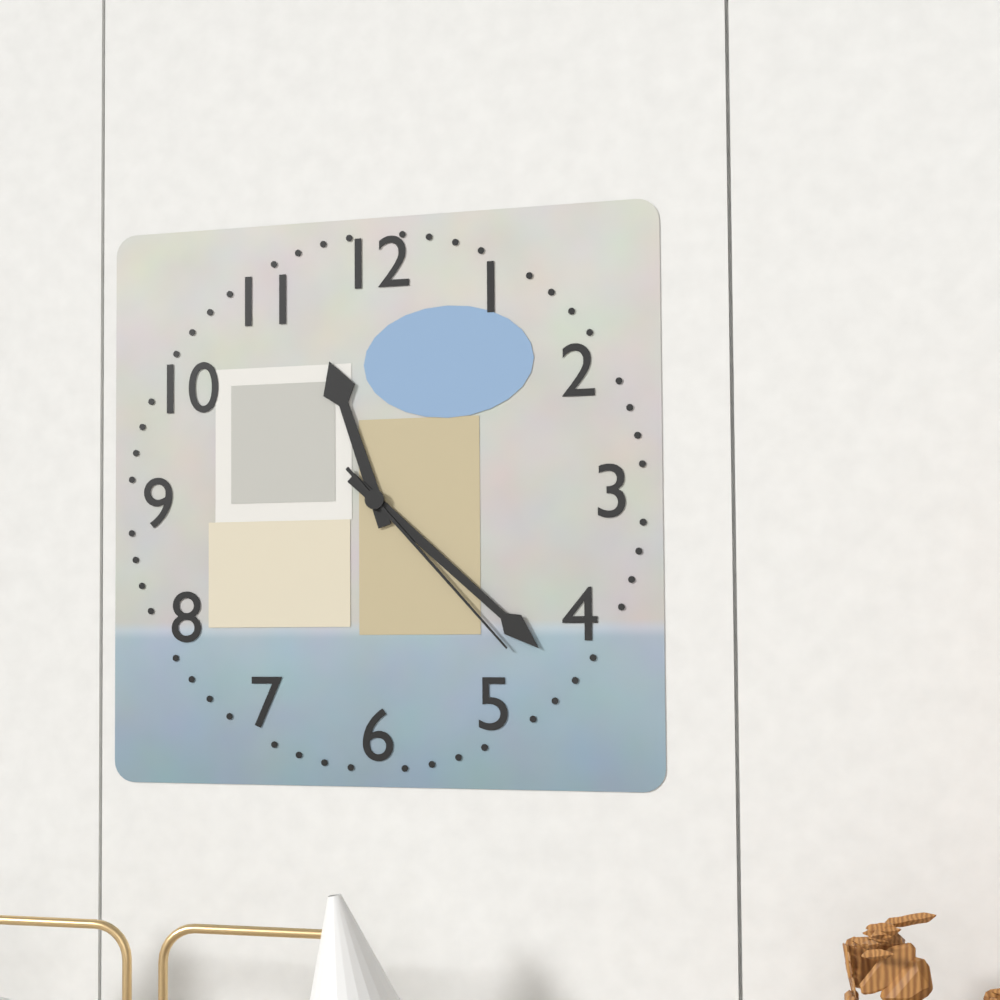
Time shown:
{"hour": 11, "minute": 22, "second": 23}
